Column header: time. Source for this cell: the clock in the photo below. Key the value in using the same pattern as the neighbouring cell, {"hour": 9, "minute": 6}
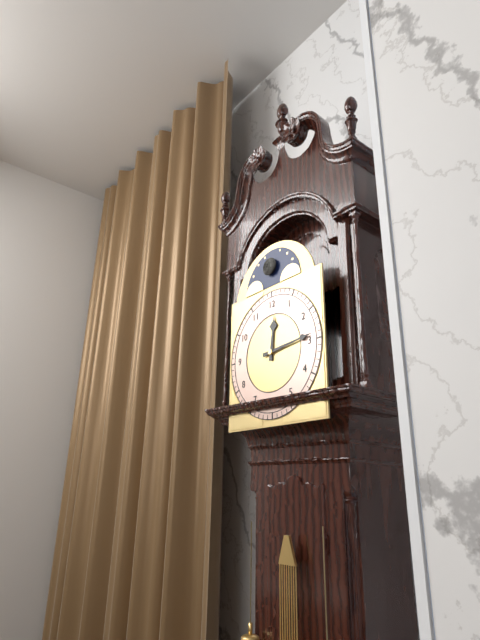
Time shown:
{"hour": 12, "minute": 14}
